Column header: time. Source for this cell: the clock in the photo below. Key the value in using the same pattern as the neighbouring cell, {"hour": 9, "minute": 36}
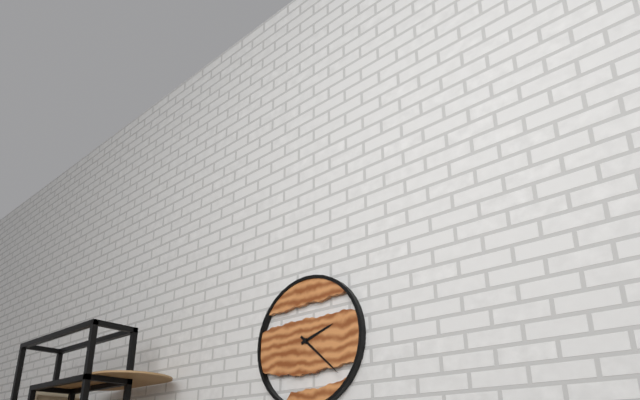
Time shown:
{"hour": 2, "minute": 22}
